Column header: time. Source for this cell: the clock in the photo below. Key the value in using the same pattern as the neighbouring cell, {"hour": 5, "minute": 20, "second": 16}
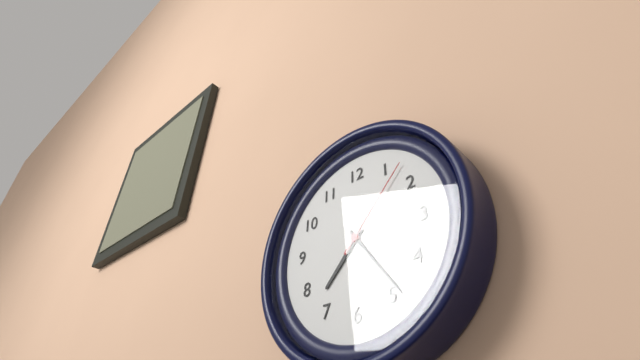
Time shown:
{"hour": 7, "minute": 24, "second": 7}
